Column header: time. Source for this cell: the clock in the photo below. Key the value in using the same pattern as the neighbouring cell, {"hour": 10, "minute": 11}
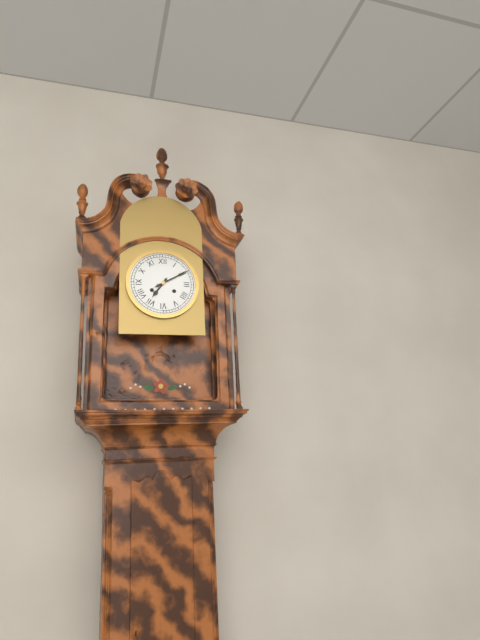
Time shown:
{"hour": 7, "minute": 10}
